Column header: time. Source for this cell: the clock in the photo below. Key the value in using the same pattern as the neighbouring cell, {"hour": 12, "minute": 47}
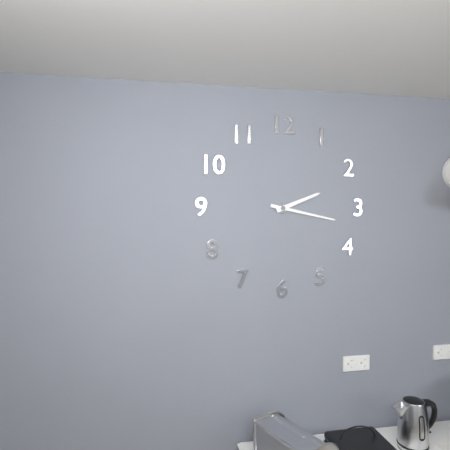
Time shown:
{"hour": 2, "minute": 17}
